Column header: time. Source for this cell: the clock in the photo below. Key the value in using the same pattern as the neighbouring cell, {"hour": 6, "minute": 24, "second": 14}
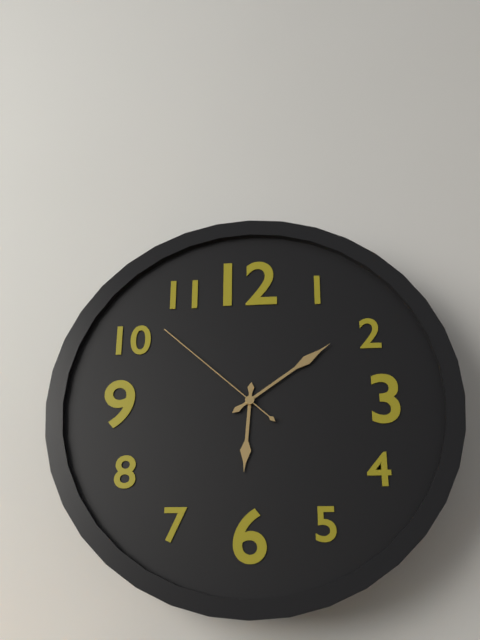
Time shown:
{"hour": 6, "minute": 9, "second": 52}
